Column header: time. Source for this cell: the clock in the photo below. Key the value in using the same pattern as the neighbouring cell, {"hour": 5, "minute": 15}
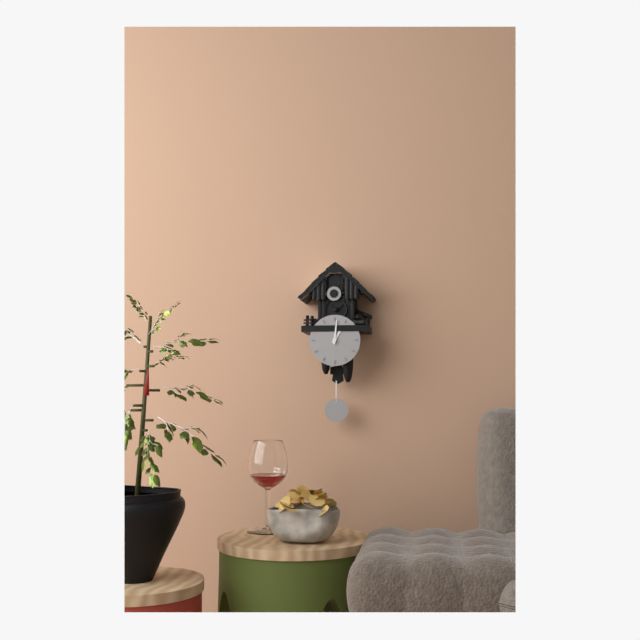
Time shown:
{"hour": 1, "minute": 1}
